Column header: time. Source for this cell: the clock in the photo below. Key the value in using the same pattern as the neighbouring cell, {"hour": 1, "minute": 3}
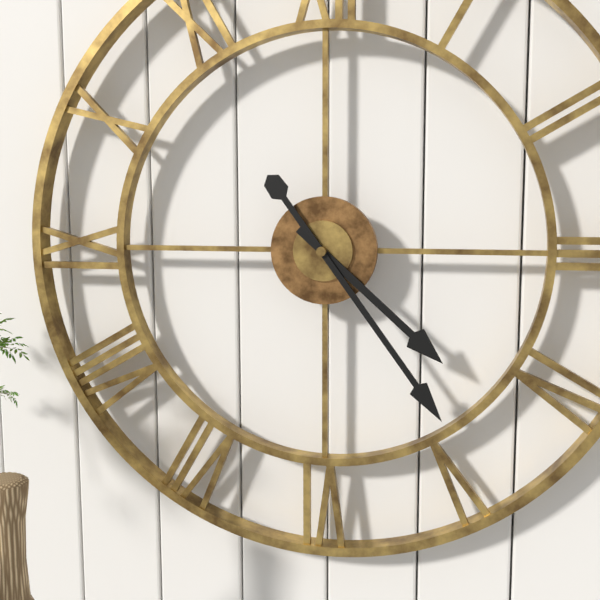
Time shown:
{"hour": 4, "minute": 24}
